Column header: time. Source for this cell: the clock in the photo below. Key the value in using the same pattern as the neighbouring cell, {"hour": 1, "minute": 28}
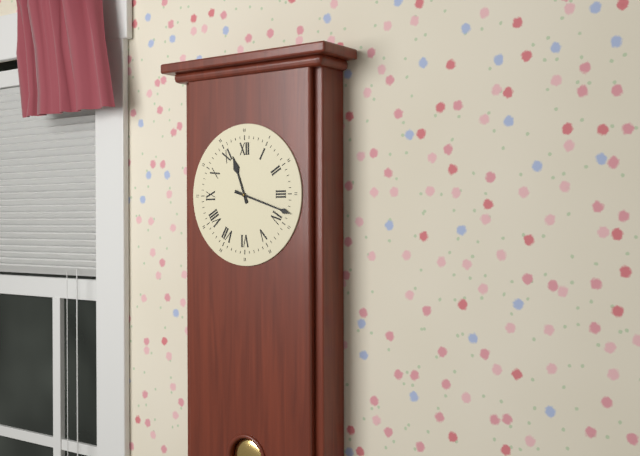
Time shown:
{"hour": 11, "minute": 18}
